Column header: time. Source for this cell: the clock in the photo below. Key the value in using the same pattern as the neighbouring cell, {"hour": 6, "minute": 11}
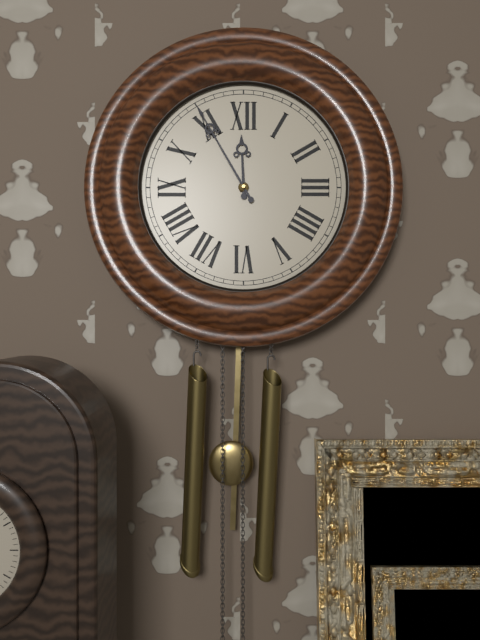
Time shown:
{"hour": 11, "minute": 55}
